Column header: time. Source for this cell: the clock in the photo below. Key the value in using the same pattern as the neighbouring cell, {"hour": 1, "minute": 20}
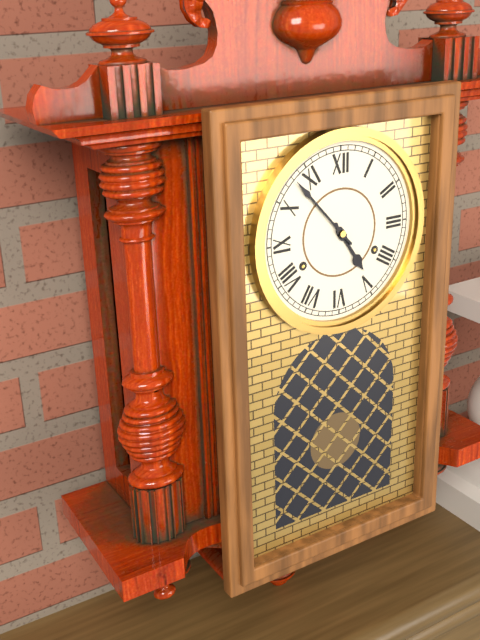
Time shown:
{"hour": 4, "minute": 53}
